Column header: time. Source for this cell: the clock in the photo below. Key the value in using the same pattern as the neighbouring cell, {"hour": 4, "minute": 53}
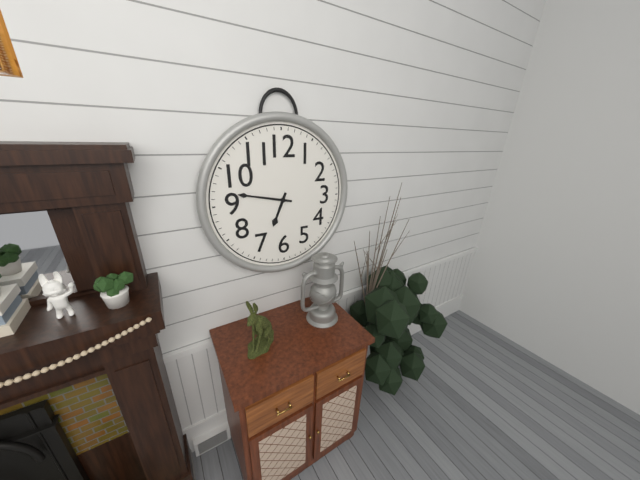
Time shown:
{"hour": 6, "minute": 47}
